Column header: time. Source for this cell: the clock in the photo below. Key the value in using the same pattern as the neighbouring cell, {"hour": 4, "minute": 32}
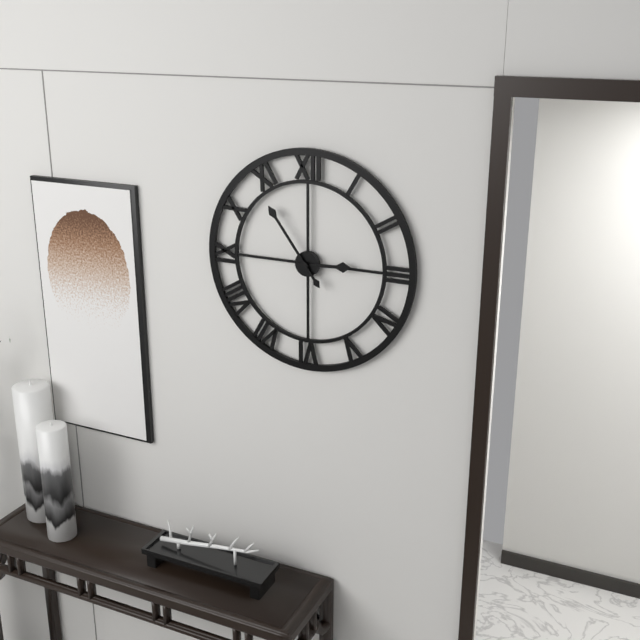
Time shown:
{"hour": 2, "minute": 54}
